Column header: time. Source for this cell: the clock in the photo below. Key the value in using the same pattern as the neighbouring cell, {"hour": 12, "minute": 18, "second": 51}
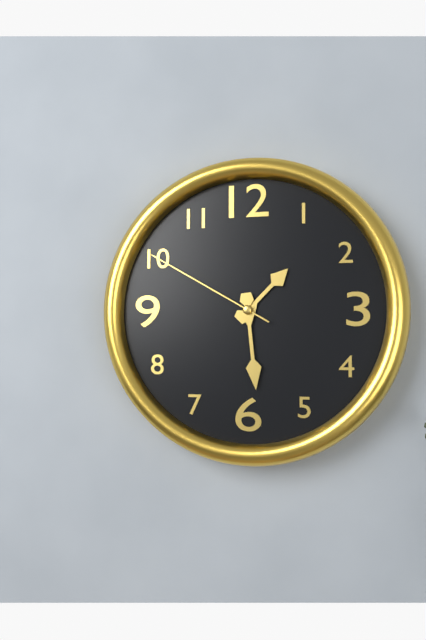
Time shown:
{"hour": 1, "minute": 29, "second": 50}
